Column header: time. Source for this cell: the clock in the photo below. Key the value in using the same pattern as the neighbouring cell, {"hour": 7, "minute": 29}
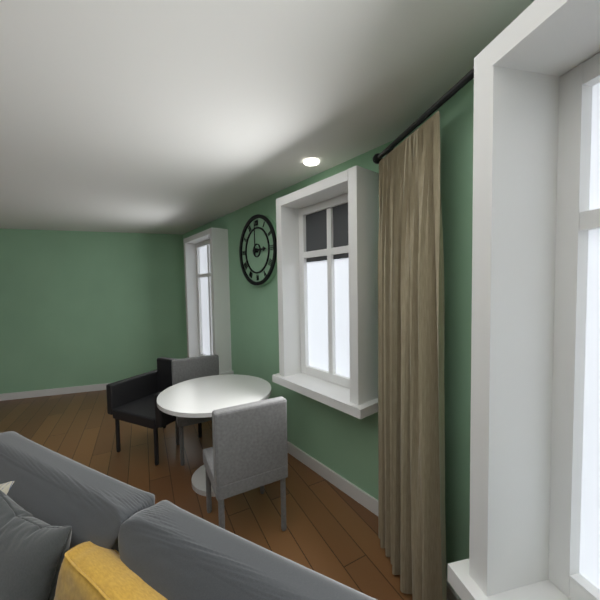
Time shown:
{"hour": 3, "minute": 0}
